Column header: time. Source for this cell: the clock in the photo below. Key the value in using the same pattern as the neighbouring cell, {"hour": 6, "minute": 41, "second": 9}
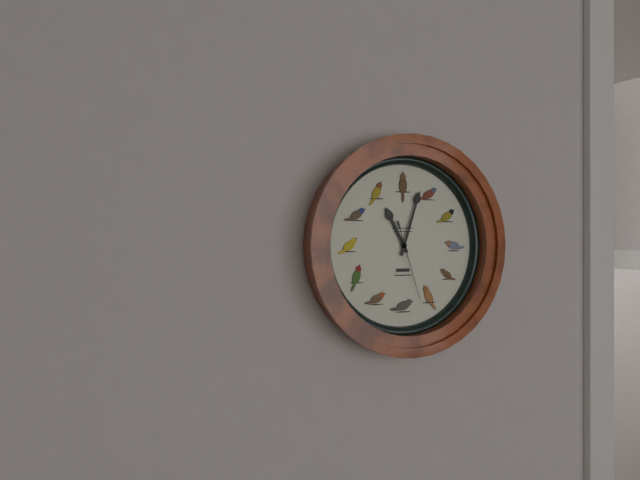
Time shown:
{"hour": 11, "minute": 3, "second": 27}
